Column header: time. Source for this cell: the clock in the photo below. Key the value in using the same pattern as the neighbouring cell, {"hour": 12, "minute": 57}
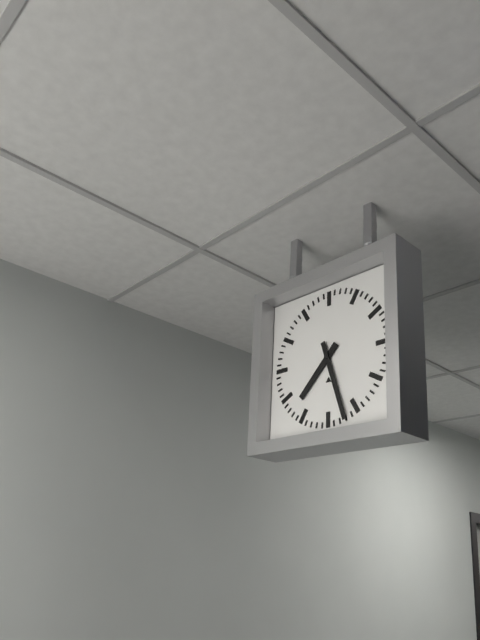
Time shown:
{"hour": 7, "minute": 27}
